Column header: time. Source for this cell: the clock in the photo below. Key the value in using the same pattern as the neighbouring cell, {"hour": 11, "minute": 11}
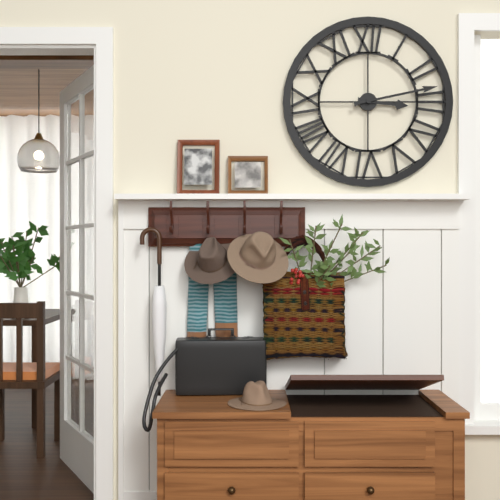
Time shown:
{"hour": 3, "minute": 13}
